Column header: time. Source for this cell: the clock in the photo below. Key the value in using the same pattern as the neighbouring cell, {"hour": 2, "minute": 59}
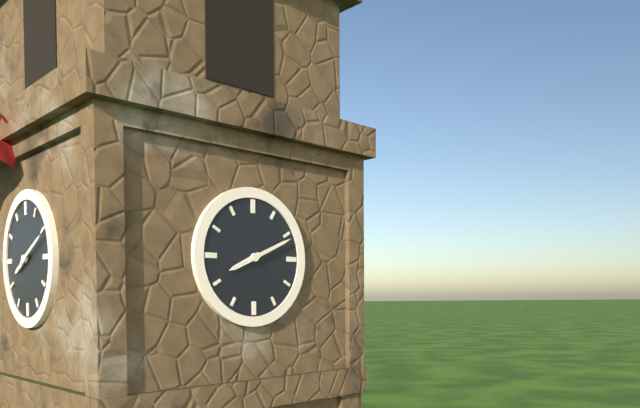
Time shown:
{"hour": 8, "minute": 11}
